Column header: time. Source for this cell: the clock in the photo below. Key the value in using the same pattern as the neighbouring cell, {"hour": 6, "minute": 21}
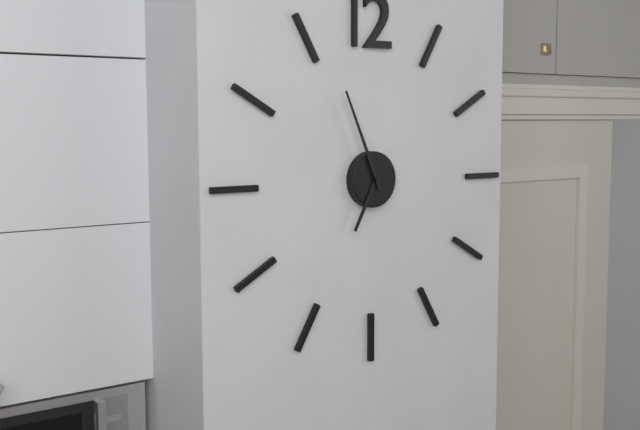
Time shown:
{"hour": 6, "minute": 56}
